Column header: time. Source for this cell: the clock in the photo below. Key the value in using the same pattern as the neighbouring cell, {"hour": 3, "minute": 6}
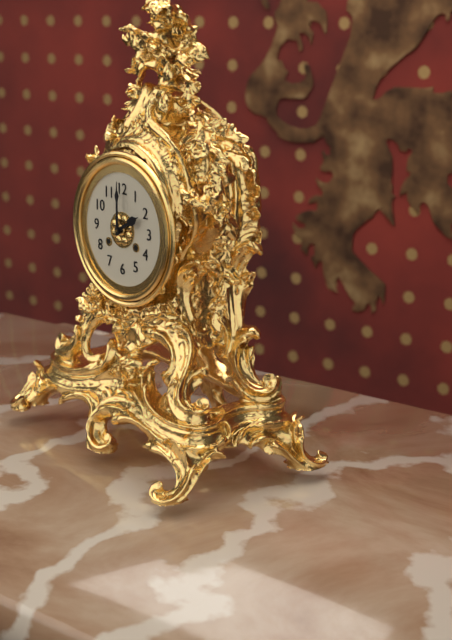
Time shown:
{"hour": 2, "minute": 0}
